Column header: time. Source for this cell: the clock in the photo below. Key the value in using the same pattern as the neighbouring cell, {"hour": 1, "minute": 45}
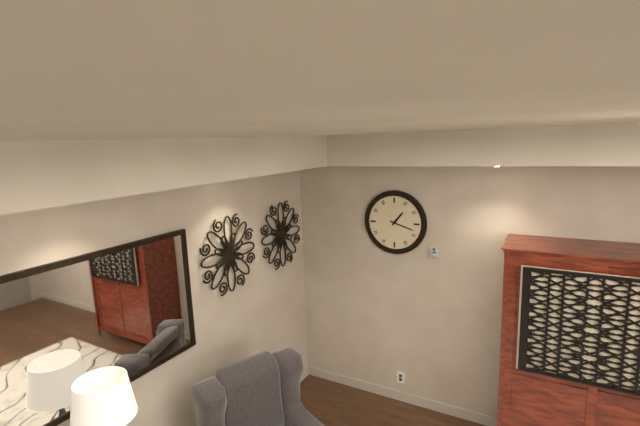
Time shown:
{"hour": 1, "minute": 18}
